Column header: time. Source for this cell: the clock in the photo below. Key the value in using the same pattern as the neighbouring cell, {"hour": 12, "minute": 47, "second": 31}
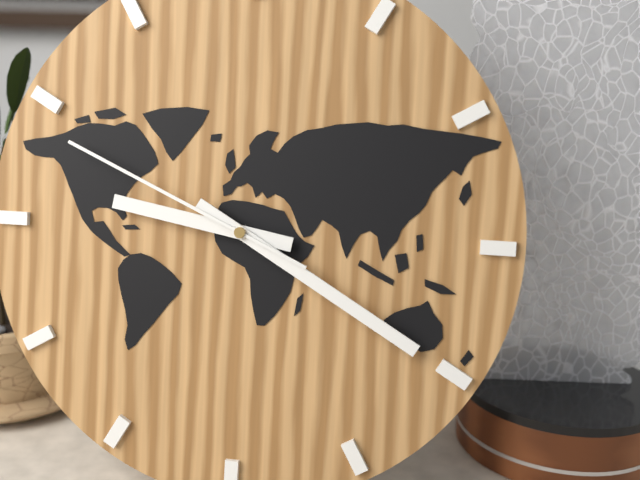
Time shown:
{"hour": 9, "minute": 20, "second": 49}
